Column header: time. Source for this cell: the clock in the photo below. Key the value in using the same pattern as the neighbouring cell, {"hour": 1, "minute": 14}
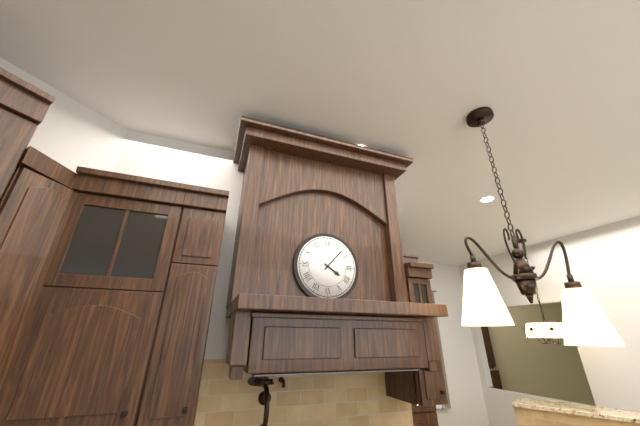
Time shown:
{"hour": 4, "minute": 7}
